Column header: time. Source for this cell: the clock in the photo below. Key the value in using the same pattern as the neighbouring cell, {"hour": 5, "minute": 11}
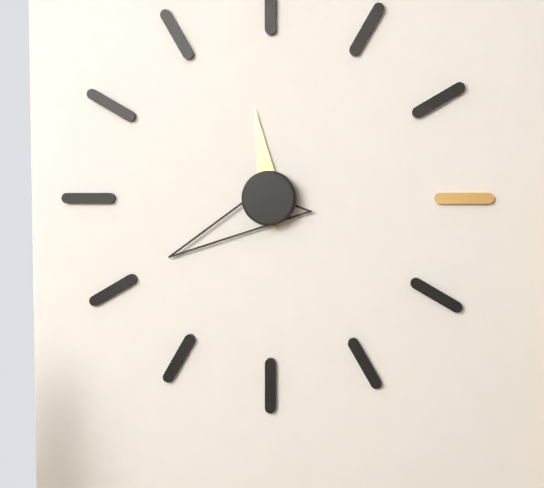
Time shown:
{"hour": 11, "minute": 40}
